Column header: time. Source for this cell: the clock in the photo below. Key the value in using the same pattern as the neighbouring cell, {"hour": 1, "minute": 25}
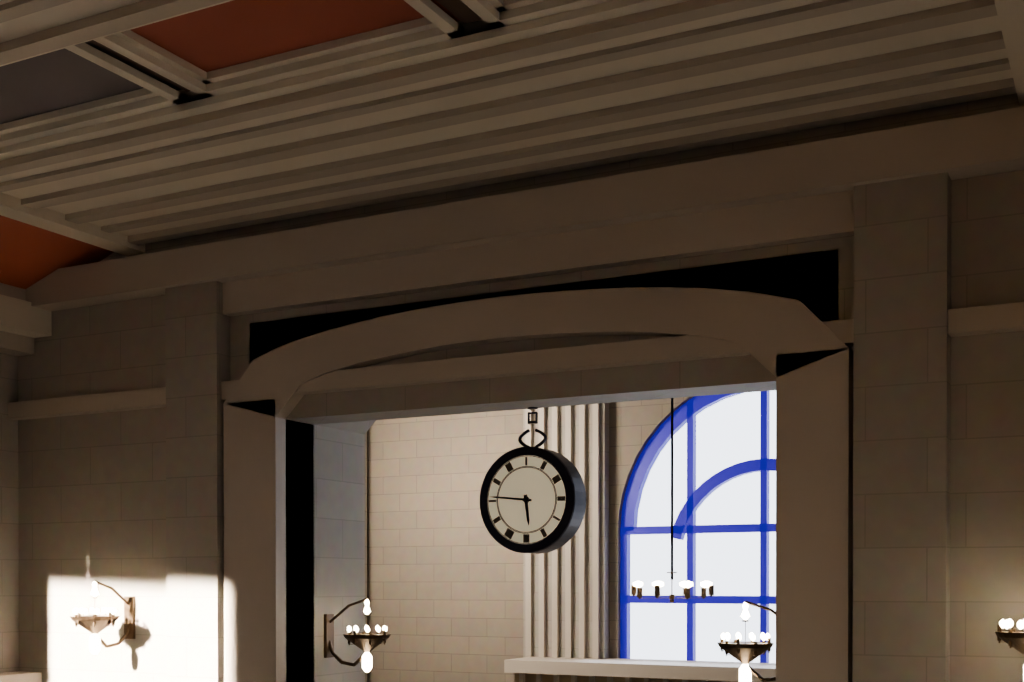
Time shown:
{"hour": 5, "minute": 46}
